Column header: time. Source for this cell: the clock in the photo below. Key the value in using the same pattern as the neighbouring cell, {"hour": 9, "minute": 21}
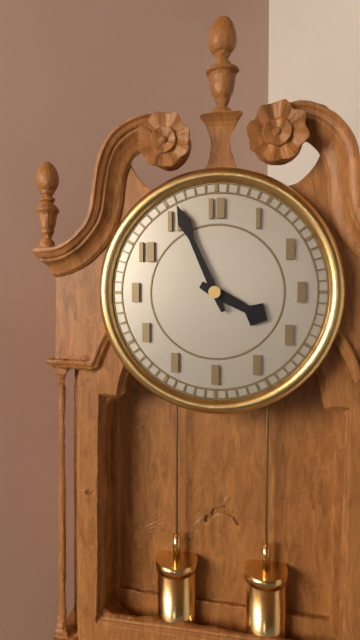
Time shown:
{"hour": 3, "minute": 56}
